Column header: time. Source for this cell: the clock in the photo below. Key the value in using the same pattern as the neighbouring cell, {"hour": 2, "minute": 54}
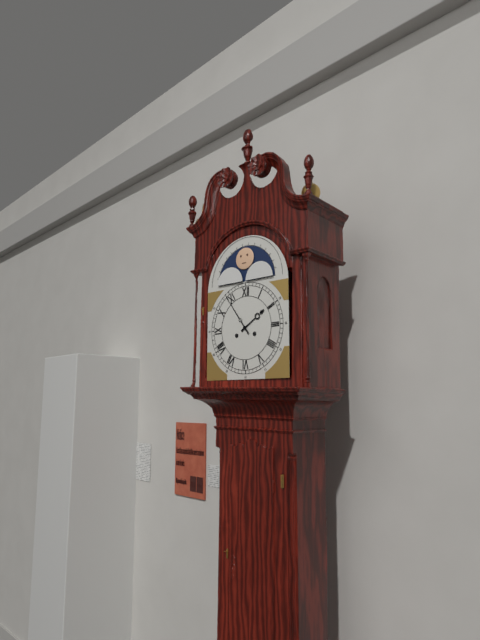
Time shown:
{"hour": 1, "minute": 54}
